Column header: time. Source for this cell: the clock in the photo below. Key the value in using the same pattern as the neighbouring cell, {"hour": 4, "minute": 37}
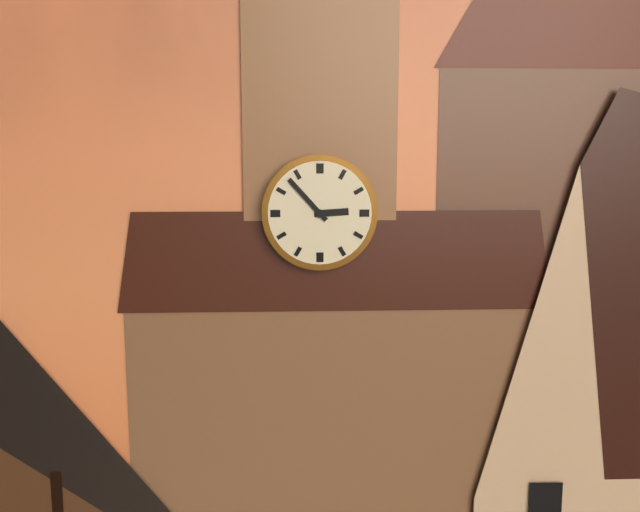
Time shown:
{"hour": 2, "minute": 53}
